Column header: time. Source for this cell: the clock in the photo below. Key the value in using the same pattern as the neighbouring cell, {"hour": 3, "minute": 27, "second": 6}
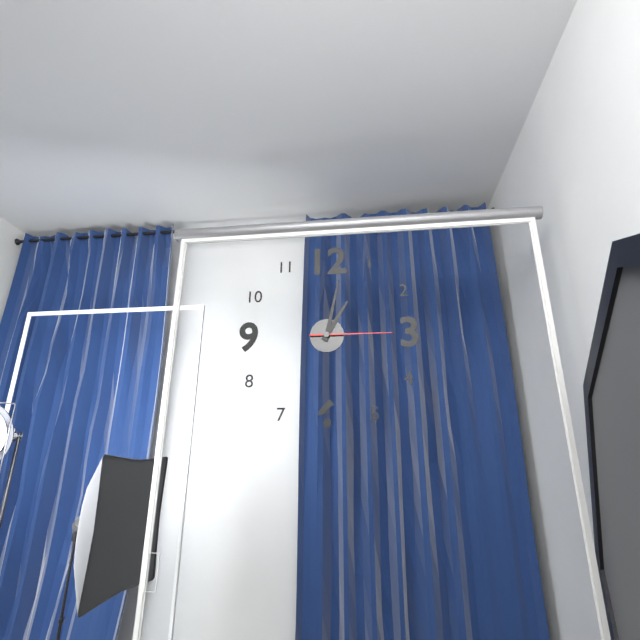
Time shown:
{"hour": 1, "minute": 2, "second": 15}
